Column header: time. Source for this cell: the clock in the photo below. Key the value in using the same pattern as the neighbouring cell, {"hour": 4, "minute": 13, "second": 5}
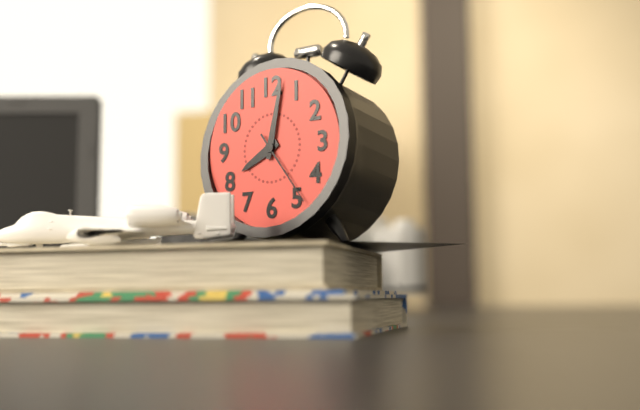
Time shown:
{"hour": 8, "minute": 2, "second": 24}
